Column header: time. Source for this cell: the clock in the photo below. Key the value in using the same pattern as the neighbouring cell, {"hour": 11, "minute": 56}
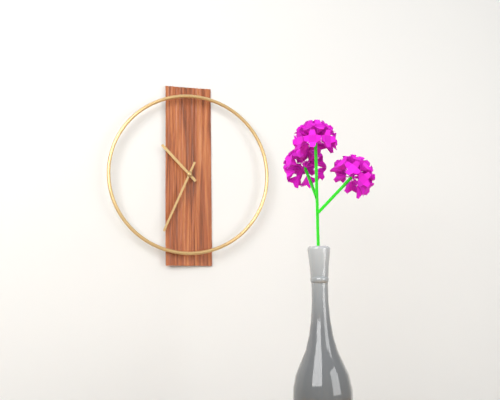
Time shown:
{"hour": 10, "minute": 34}
